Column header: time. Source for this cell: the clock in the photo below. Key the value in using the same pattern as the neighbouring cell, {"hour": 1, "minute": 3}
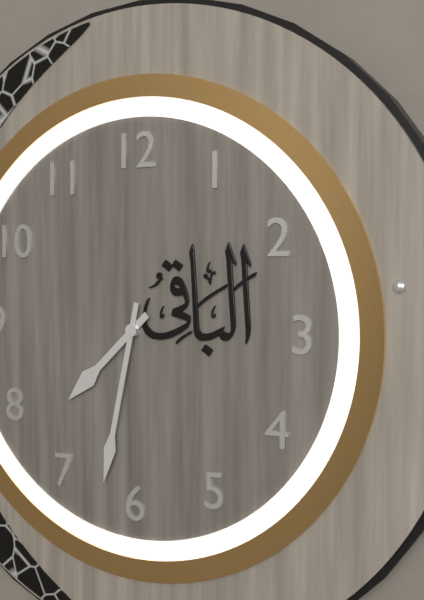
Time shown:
{"hour": 7, "minute": 32}
